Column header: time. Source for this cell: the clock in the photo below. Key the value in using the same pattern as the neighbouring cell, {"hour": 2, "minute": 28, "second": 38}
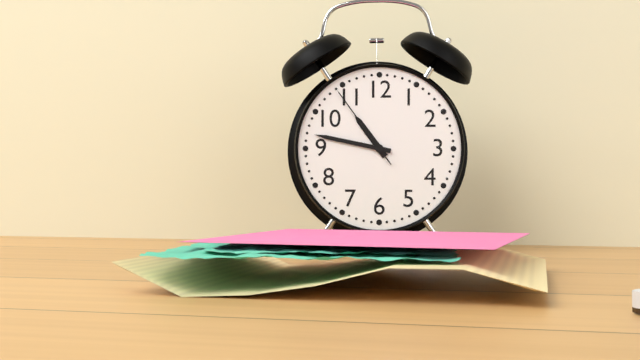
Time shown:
{"hour": 10, "minute": 47, "second": 54}
